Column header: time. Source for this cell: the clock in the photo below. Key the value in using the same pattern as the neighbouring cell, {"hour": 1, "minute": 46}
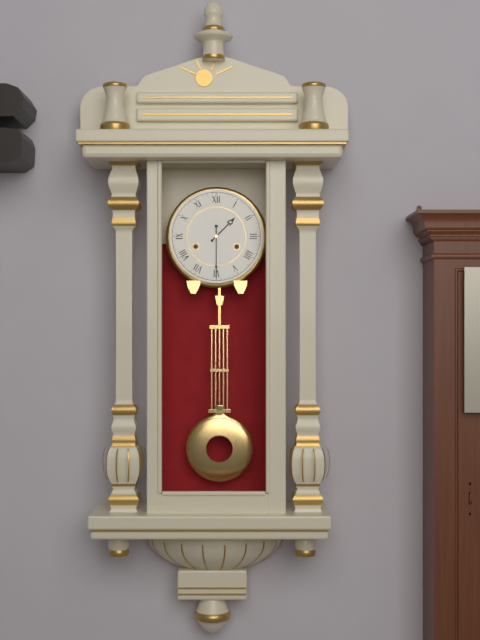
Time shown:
{"hour": 1, "minute": 30}
